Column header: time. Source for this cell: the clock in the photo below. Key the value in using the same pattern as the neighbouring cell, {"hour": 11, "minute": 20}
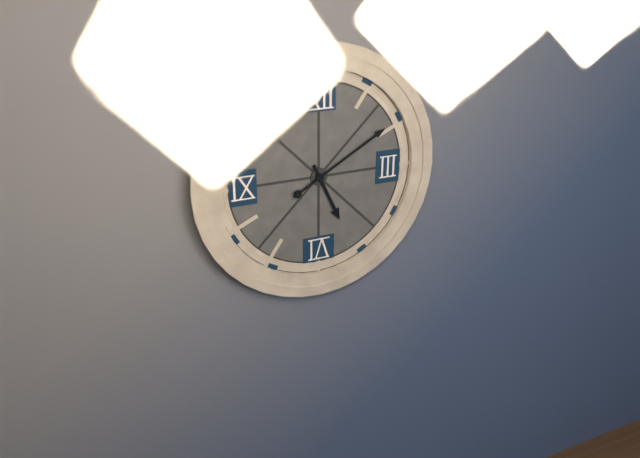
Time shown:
{"hour": 5, "minute": 10}
